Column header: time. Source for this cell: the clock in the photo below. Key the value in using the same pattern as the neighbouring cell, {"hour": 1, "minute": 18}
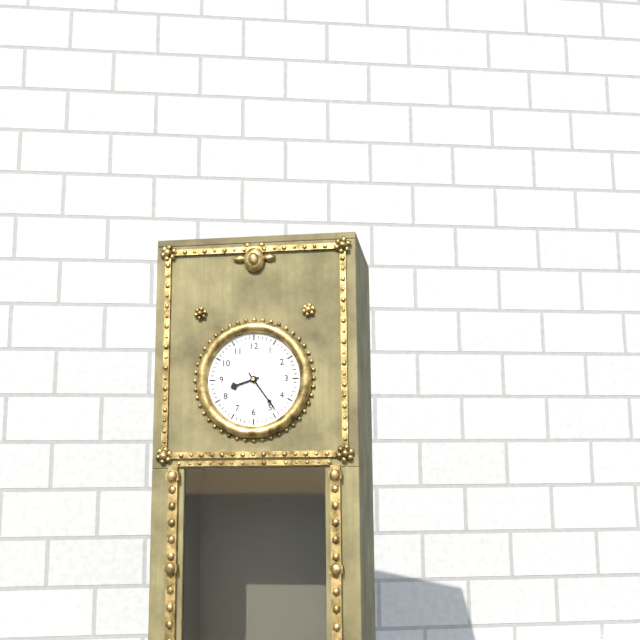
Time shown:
{"hour": 8, "minute": 24}
